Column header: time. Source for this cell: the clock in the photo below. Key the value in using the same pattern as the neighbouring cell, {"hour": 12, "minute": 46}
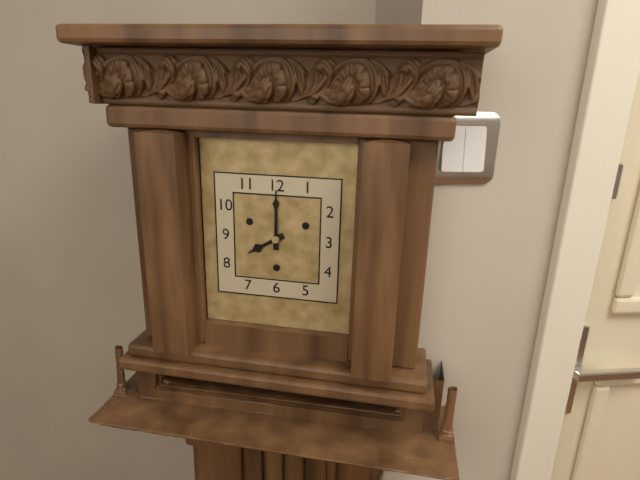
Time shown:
{"hour": 8, "minute": 0}
